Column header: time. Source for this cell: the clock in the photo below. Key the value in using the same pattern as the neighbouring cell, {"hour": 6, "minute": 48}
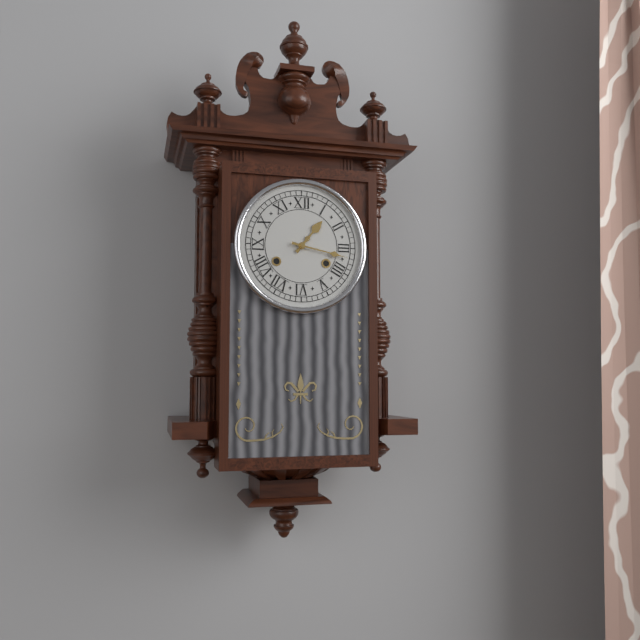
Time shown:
{"hour": 1, "minute": 17}
